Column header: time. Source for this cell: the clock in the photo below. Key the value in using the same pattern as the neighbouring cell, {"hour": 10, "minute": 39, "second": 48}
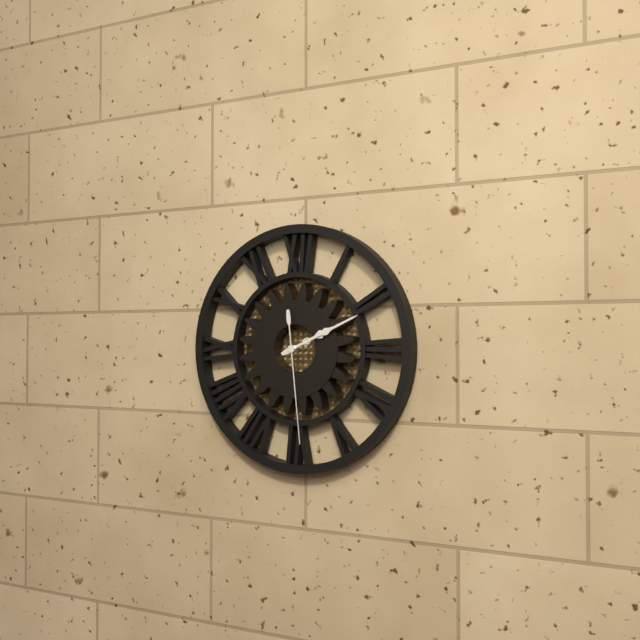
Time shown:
{"hour": 2, "minute": 11, "second": 29}
